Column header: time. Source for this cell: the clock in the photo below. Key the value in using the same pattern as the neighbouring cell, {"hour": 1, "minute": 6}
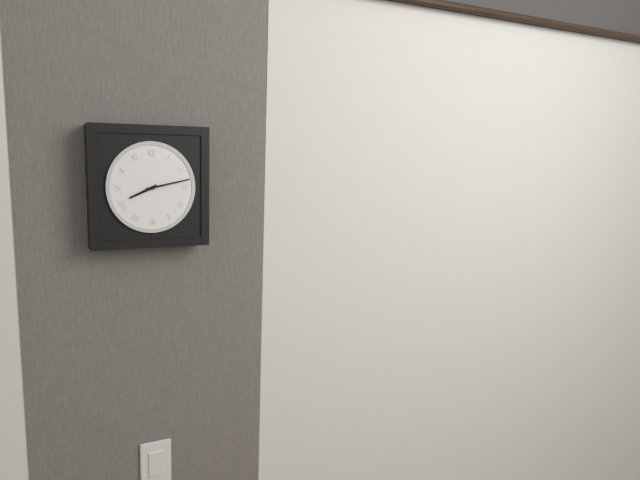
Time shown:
{"hour": 8, "minute": 13}
